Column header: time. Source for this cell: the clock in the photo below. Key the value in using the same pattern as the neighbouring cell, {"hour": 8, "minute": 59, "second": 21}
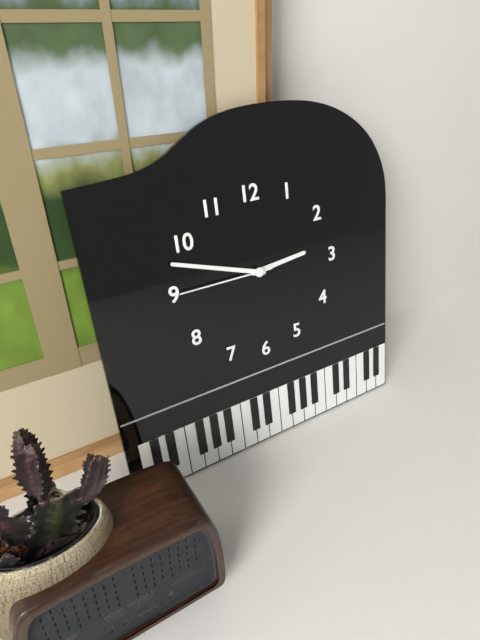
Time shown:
{"hour": 2, "minute": 48, "second": 45}
